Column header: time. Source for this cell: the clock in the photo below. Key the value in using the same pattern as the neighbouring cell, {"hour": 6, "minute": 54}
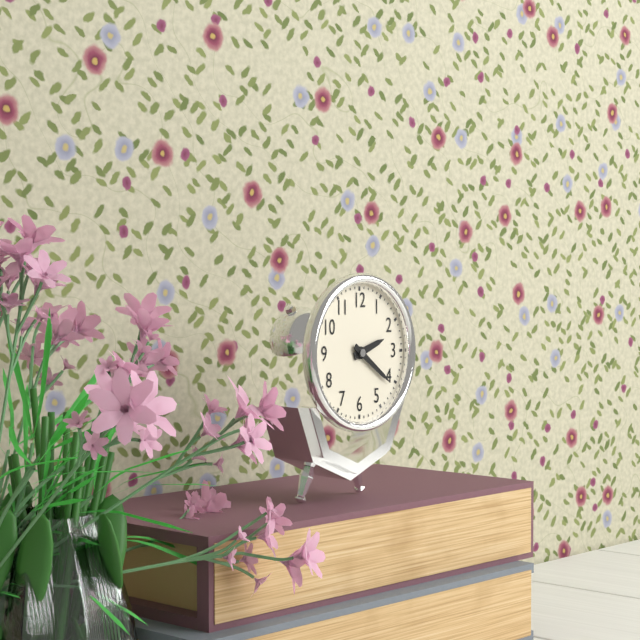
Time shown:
{"hour": 2, "minute": 21}
